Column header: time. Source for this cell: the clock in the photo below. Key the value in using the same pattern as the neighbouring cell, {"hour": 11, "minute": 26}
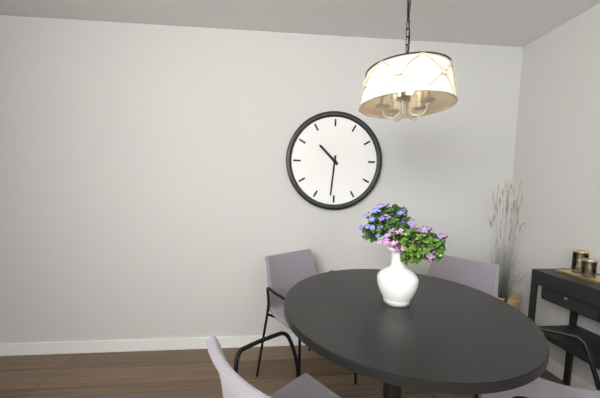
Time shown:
{"hour": 10, "minute": 31}
